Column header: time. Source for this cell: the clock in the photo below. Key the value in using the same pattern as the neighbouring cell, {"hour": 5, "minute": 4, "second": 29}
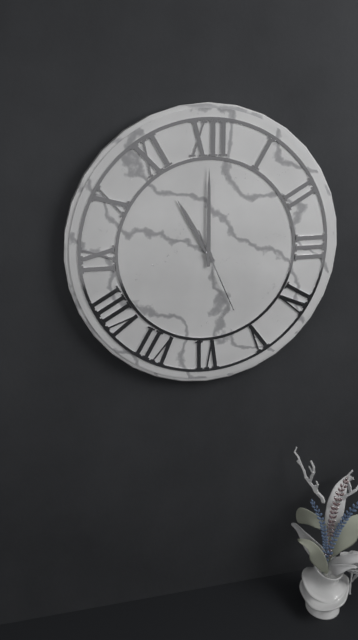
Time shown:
{"hour": 11, "minute": 0, "second": 26}
